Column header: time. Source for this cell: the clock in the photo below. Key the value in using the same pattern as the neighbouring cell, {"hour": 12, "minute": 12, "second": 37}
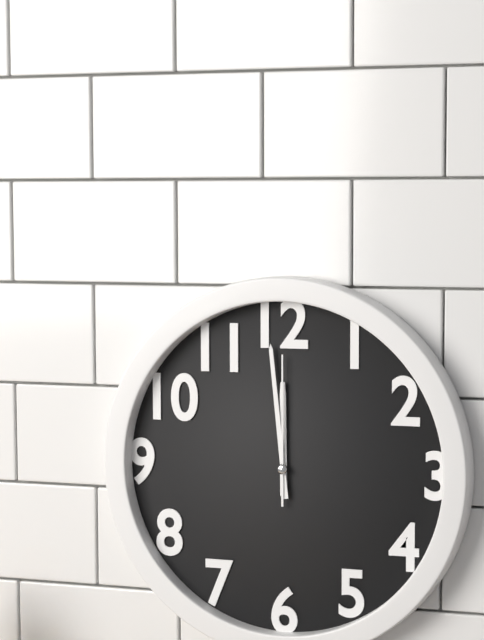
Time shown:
{"hour": 11, "minute": 59, "second": 0}
